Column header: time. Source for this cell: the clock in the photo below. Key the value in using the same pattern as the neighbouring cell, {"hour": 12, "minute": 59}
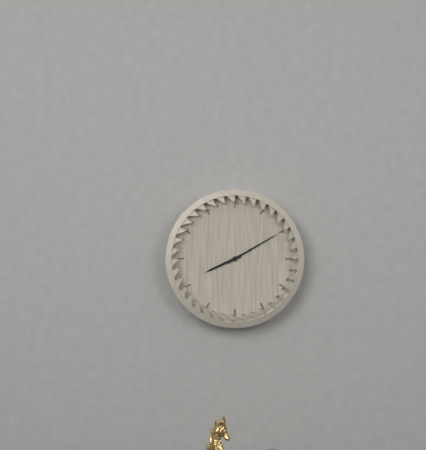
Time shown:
{"hour": 8, "minute": 10}
